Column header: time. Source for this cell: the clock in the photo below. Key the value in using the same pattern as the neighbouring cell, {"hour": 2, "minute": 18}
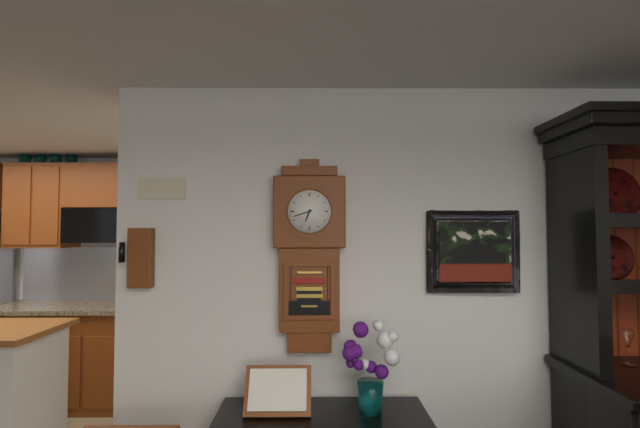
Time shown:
{"hour": 6, "minute": 42}
